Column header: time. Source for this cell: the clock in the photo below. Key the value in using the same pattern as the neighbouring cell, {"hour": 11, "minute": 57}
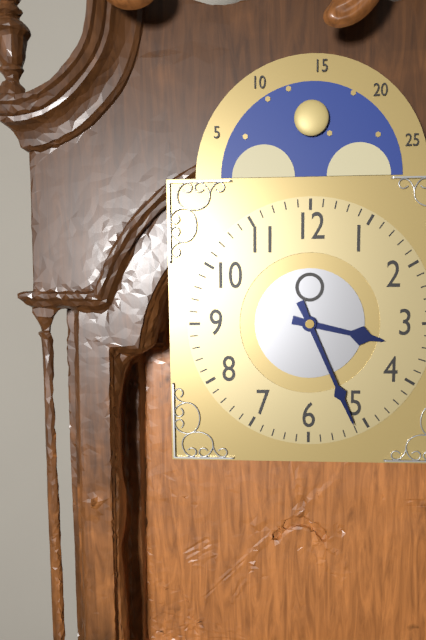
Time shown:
{"hour": 3, "minute": 26}
